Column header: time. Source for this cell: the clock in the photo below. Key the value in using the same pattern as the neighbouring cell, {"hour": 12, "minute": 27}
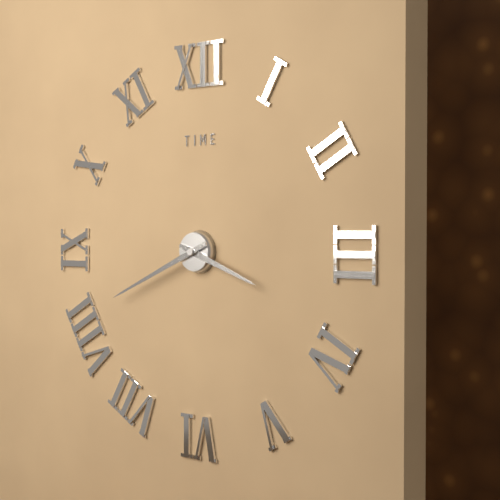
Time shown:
{"hour": 3, "minute": 41}
